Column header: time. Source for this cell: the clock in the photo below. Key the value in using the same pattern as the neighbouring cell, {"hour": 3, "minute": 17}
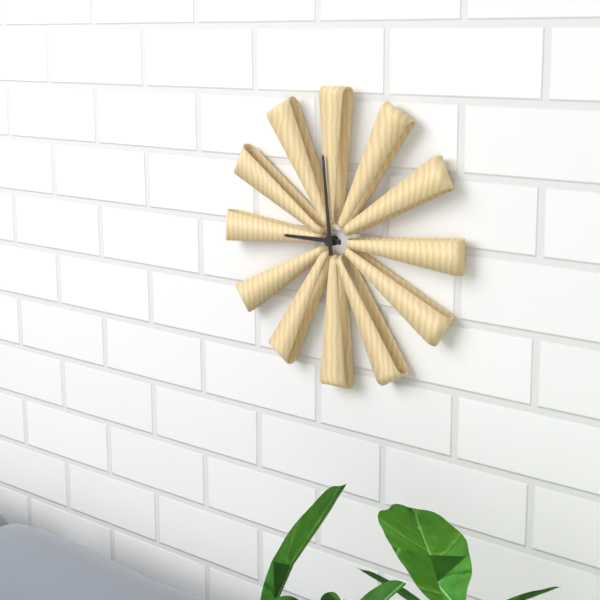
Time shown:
{"hour": 8, "minute": 59}
